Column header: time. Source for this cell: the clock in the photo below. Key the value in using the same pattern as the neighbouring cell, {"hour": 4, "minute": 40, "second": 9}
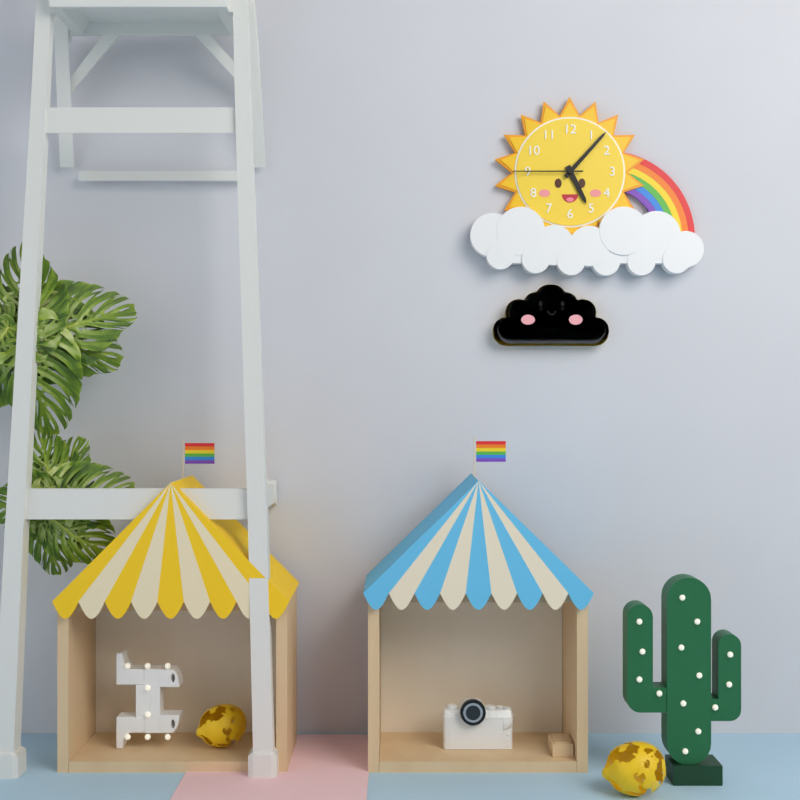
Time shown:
{"hour": 5, "minute": 7, "second": 45}
